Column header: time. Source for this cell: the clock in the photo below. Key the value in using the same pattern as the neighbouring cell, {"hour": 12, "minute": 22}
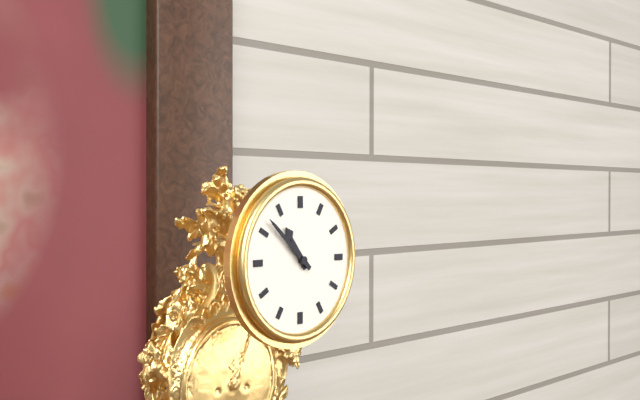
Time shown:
{"hour": 10, "minute": 52}
